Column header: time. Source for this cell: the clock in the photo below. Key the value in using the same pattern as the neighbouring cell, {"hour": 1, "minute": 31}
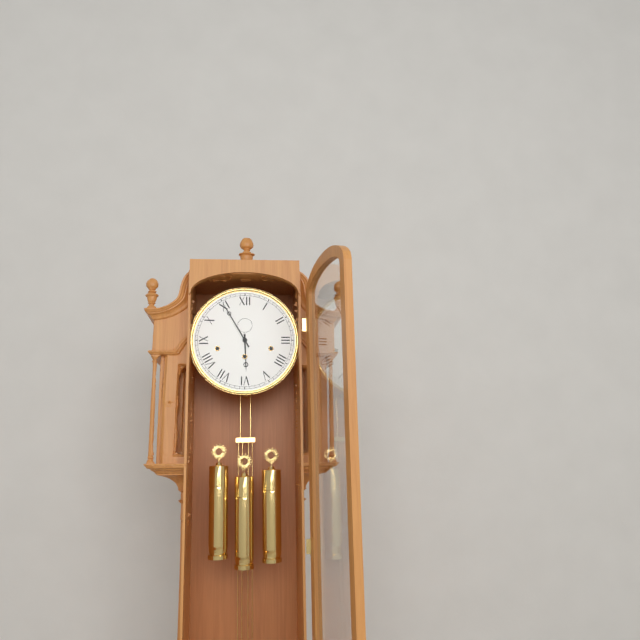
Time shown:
{"hour": 5, "minute": 55}
